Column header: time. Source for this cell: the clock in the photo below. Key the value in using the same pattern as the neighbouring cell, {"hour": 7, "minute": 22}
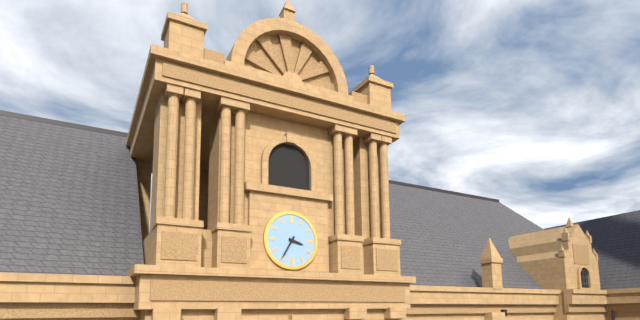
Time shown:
{"hour": 3, "minute": 35}
